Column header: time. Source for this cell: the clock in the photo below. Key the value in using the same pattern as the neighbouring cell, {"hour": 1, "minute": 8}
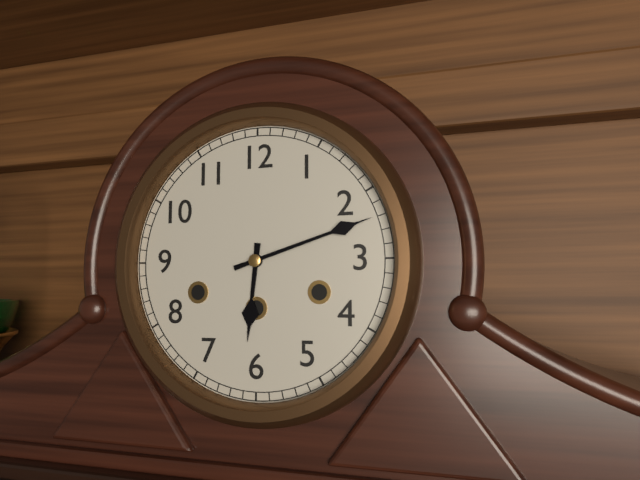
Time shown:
{"hour": 6, "minute": 12}
